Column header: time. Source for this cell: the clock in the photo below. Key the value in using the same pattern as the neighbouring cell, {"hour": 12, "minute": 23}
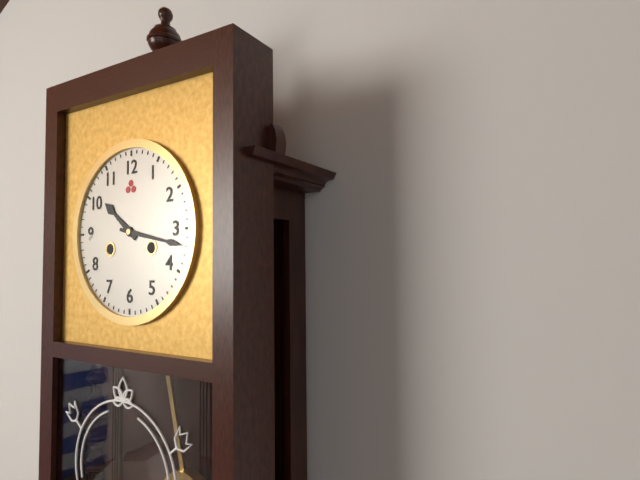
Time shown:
{"hour": 10, "minute": 17}
